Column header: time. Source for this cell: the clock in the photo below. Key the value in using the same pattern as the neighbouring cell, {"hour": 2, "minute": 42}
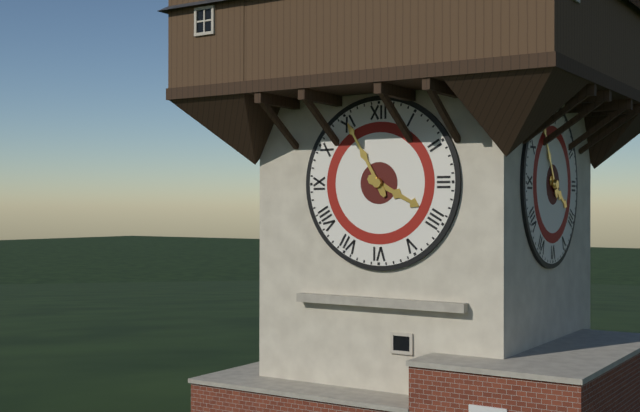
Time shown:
{"hour": 3, "minute": 55}
